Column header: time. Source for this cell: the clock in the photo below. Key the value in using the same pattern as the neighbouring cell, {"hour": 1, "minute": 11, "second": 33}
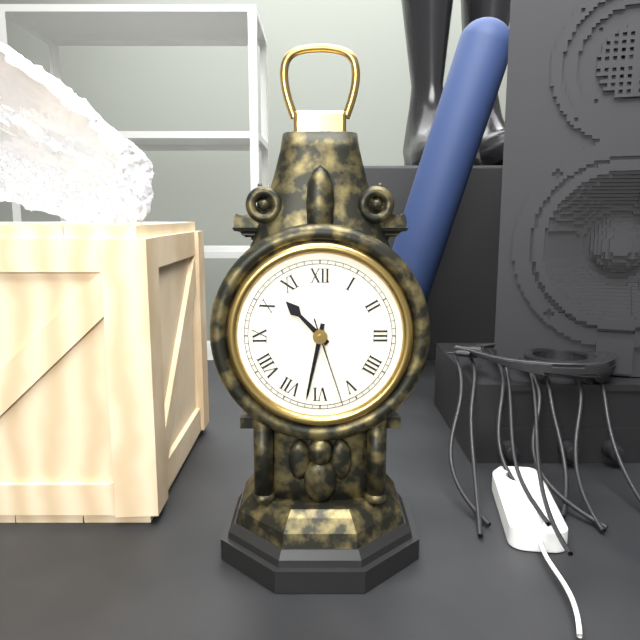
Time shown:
{"hour": 10, "minute": 32, "second": 27}
